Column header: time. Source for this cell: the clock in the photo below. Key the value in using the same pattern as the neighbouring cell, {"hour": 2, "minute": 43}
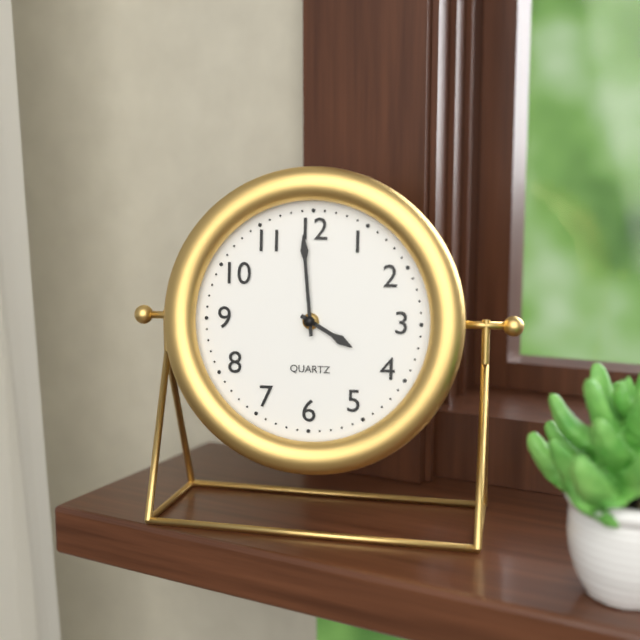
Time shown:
{"hour": 3, "minute": 59}
